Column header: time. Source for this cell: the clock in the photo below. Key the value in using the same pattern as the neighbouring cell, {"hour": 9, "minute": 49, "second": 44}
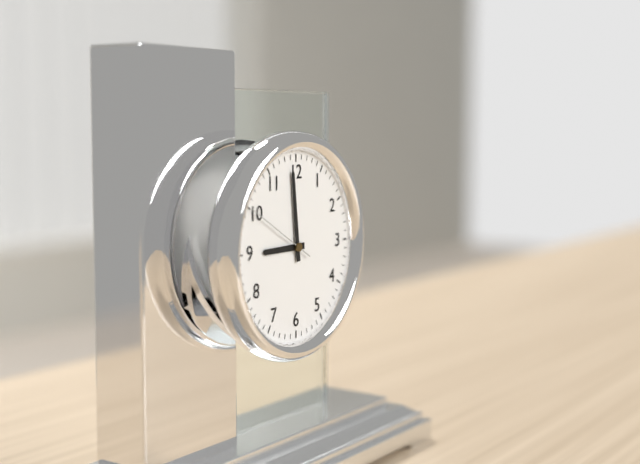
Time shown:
{"hour": 8, "minute": 59, "second": 50}
